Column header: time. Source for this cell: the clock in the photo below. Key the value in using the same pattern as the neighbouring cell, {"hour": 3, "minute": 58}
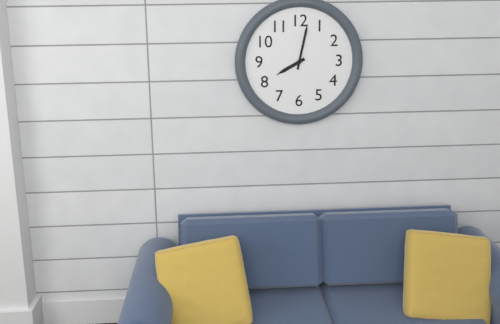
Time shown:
{"hour": 8, "minute": 2}
